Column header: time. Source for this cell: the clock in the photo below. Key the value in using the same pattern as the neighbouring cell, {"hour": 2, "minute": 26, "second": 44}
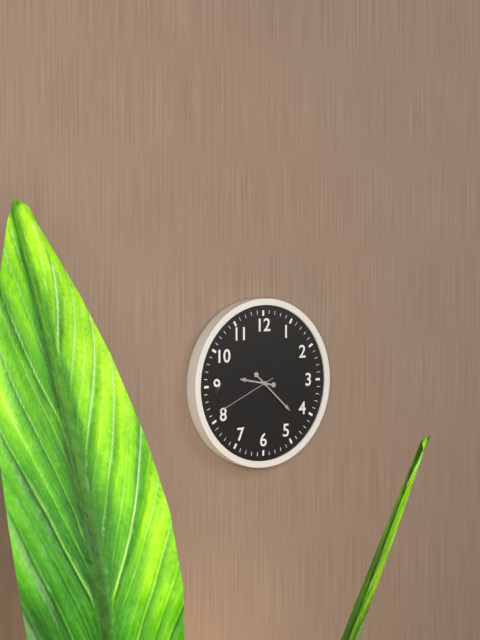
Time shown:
{"hour": 9, "minute": 22, "second": 41}
